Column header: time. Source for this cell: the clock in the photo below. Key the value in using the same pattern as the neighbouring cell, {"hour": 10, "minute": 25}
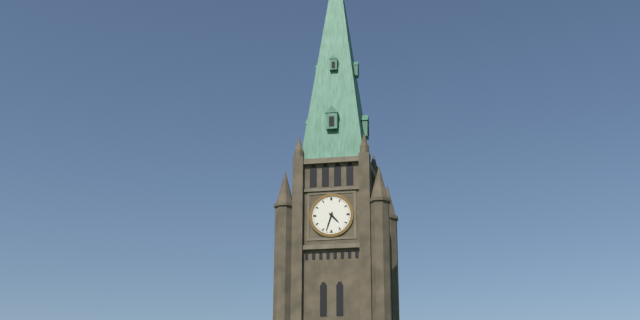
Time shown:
{"hour": 4, "minute": 33}
